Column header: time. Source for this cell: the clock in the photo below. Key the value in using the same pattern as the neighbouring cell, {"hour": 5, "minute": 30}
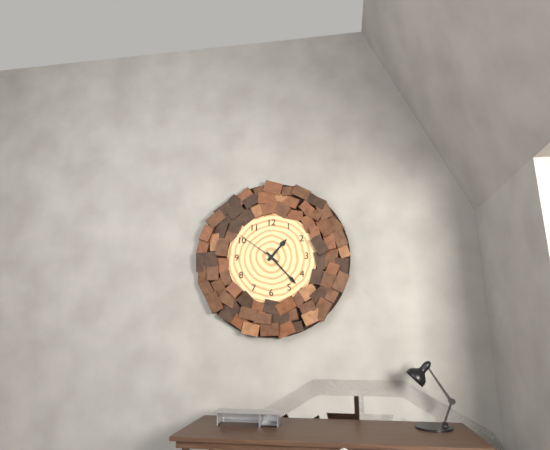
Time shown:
{"hour": 1, "minute": 23}
